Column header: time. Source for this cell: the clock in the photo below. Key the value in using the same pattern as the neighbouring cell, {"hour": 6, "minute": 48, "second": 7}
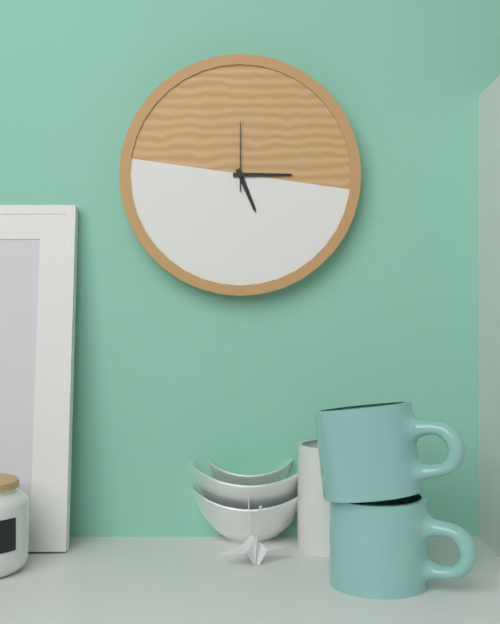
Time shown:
{"hour": 5, "minute": 15, "second": 0}
